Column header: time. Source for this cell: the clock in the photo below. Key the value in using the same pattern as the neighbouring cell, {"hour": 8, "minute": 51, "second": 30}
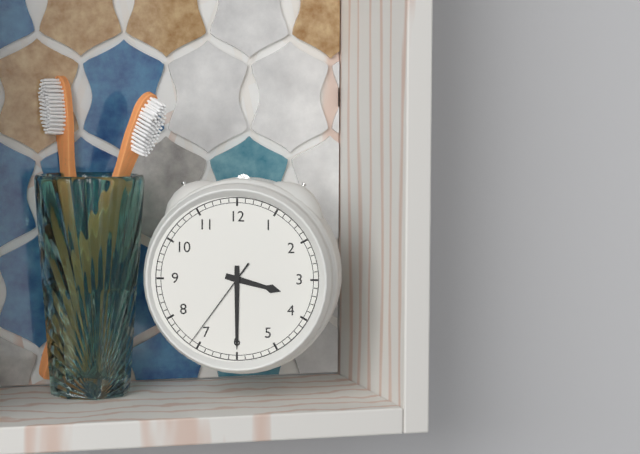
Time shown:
{"hour": 3, "minute": 30, "second": 36}
